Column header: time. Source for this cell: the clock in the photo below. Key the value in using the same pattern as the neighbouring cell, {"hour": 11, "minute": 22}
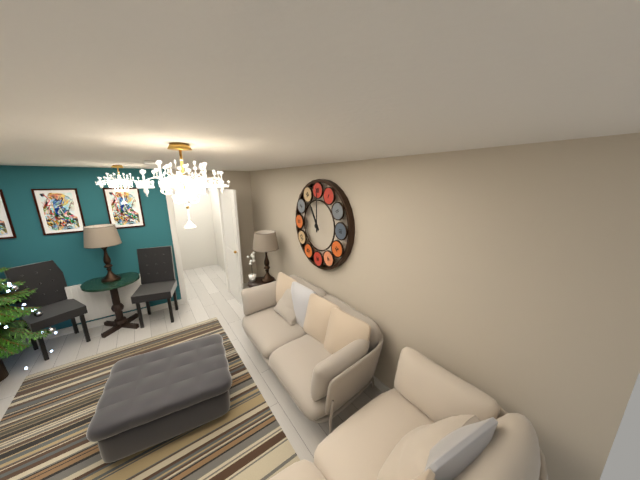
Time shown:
{"hour": 11, "minute": 0}
